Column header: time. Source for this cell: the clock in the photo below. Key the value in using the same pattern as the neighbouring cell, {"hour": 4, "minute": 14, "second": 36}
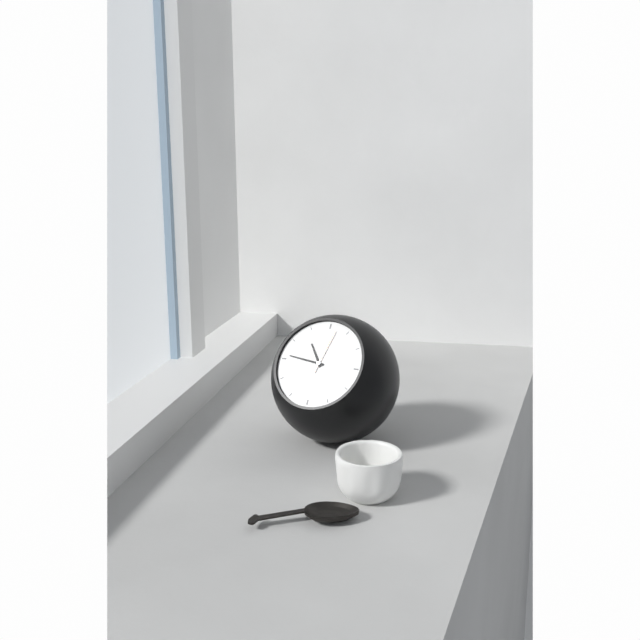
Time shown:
{"hour": 10, "minute": 46, "second": 2}
